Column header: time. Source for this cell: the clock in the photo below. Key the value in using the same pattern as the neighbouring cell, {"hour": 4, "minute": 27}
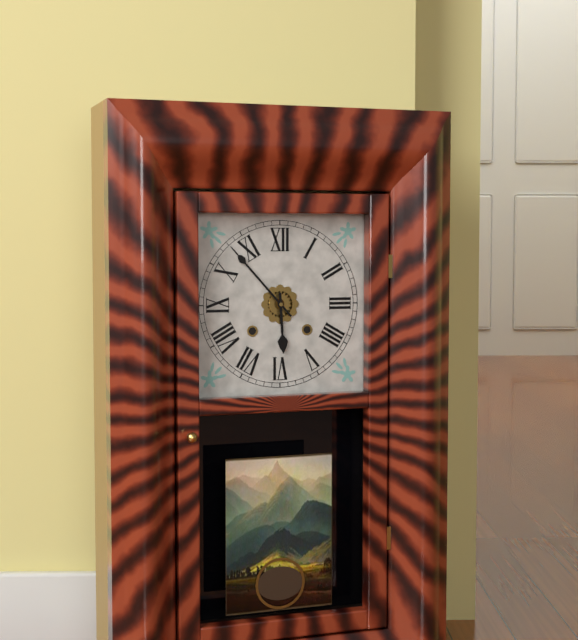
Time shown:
{"hour": 5, "minute": 53}
